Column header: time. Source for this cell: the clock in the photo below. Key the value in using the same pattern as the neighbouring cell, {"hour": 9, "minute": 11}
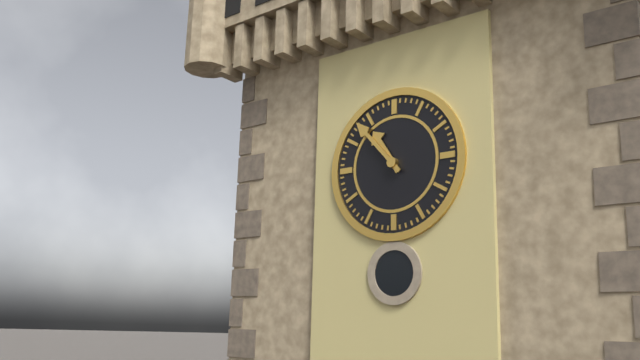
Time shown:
{"hour": 10, "minute": 53}
